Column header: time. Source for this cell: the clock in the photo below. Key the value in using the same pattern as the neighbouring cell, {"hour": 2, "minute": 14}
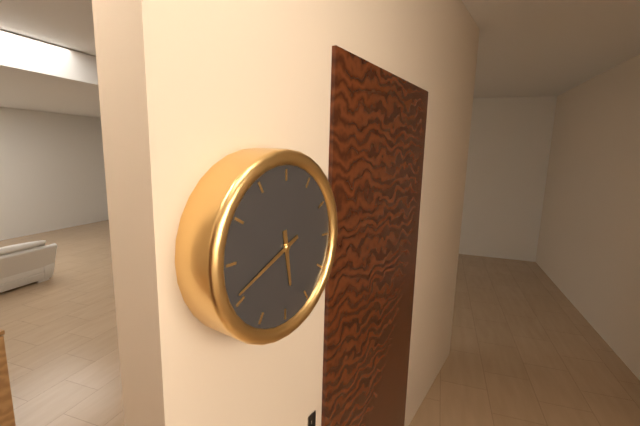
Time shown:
{"hour": 5, "minute": 41}
